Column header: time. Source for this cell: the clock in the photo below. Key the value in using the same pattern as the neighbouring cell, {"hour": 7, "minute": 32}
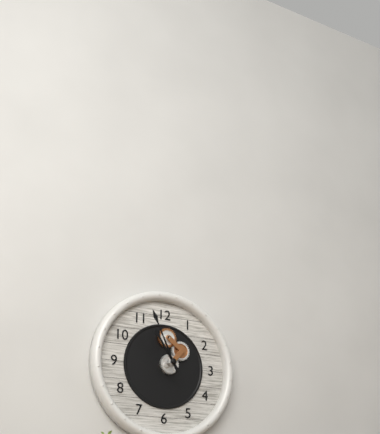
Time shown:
{"hour": 10, "minute": 56}
